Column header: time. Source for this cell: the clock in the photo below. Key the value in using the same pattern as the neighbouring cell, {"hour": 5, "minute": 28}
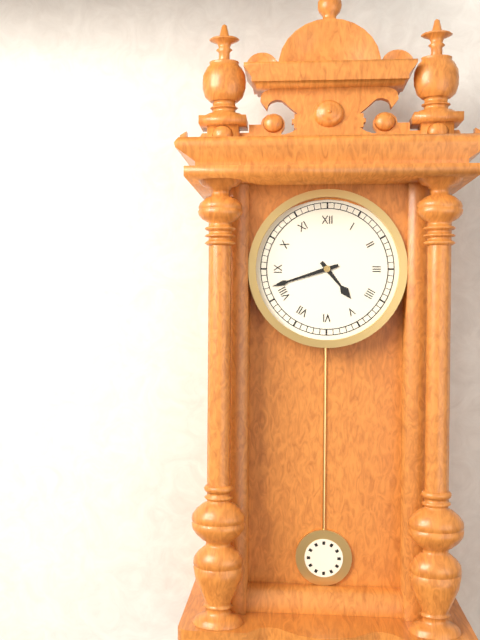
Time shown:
{"hour": 4, "minute": 42}
